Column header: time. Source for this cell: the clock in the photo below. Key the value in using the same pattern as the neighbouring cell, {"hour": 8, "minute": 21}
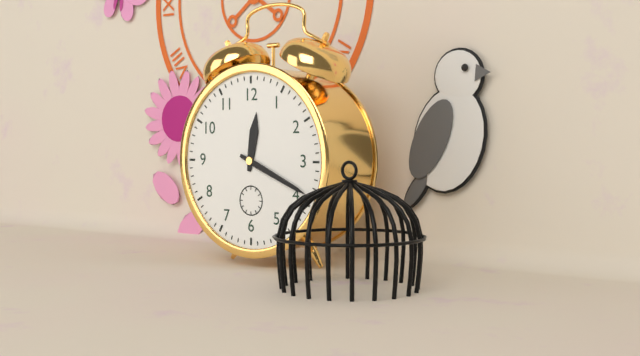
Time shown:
{"hour": 12, "minute": 19}
